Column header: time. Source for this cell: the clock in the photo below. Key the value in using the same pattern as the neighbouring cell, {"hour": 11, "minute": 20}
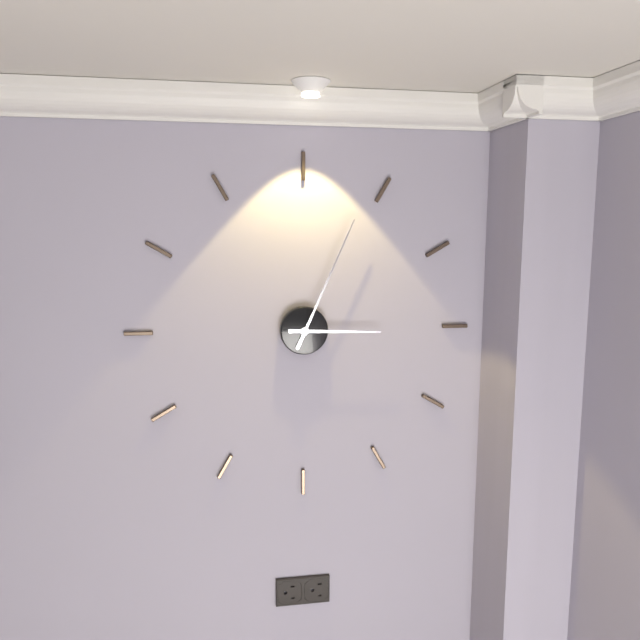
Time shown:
{"hour": 3, "minute": 4}
